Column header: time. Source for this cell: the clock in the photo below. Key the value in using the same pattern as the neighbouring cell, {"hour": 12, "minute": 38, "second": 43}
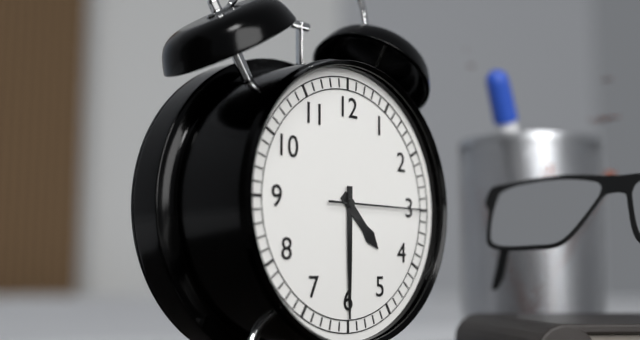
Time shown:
{"hour": 4, "minute": 30, "second": 15}
